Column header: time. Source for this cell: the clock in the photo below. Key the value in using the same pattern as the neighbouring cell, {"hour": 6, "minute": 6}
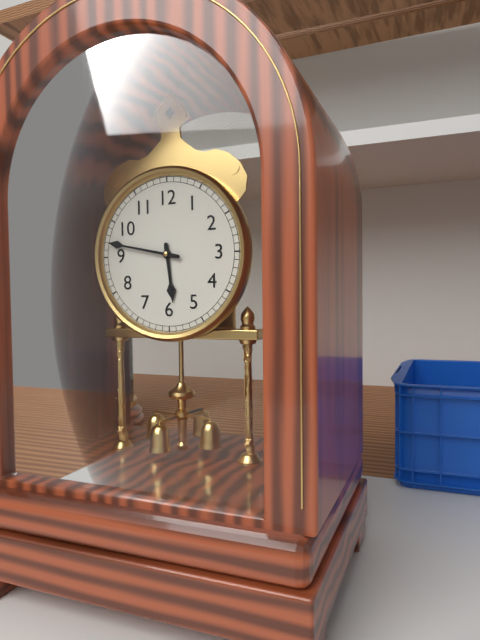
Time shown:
{"hour": 5, "minute": 47}
